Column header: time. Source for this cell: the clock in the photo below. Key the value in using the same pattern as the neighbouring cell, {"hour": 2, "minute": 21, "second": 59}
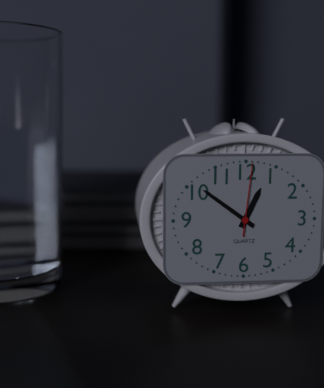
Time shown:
{"hour": 12, "minute": 51, "second": 1}
